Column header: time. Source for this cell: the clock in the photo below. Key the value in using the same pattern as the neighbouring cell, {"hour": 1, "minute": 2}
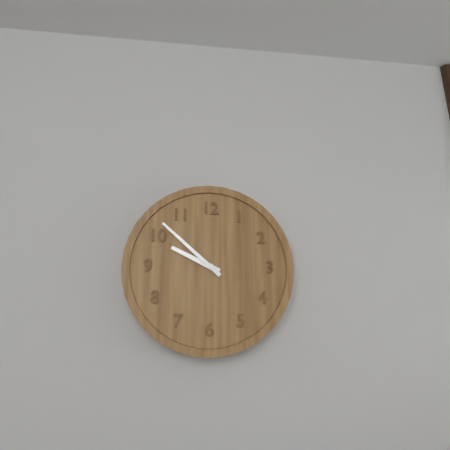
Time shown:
{"hour": 9, "minute": 52}
